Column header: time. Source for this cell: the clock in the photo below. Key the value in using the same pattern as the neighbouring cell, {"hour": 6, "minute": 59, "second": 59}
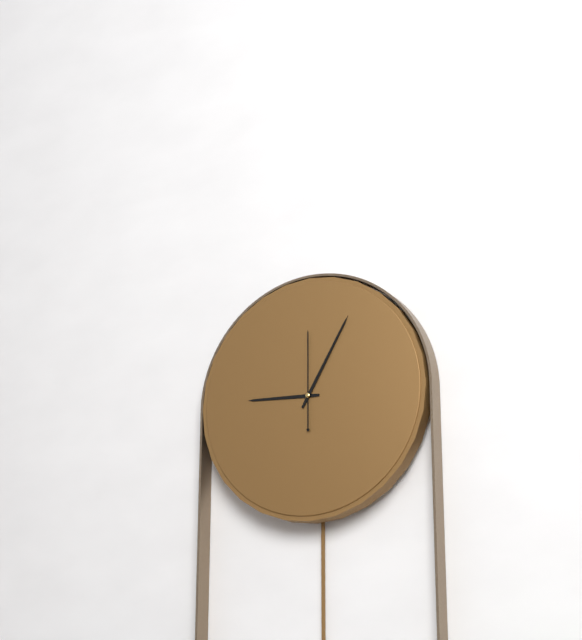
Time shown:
{"hour": 9, "minute": 5, "second": 0}
